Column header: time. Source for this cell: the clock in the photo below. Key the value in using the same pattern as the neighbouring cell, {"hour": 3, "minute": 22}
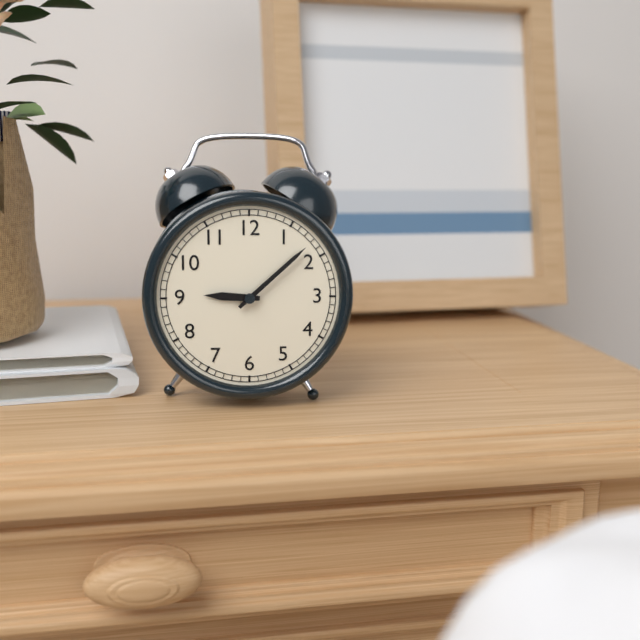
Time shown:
{"hour": 9, "minute": 8}
